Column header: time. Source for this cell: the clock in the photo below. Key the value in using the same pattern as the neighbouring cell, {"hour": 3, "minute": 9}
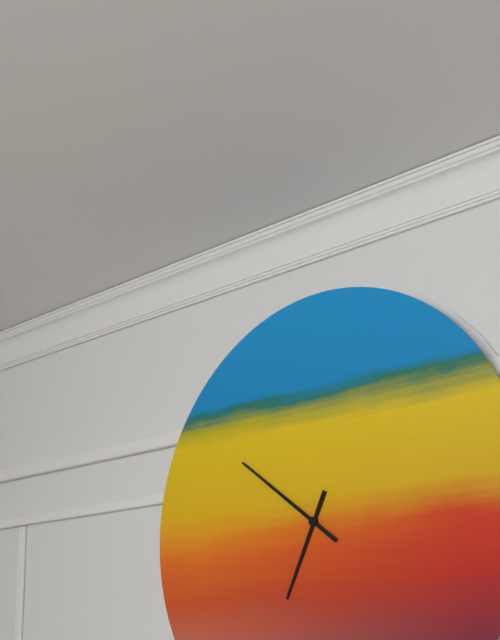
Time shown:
{"hour": 6, "minute": 51}
